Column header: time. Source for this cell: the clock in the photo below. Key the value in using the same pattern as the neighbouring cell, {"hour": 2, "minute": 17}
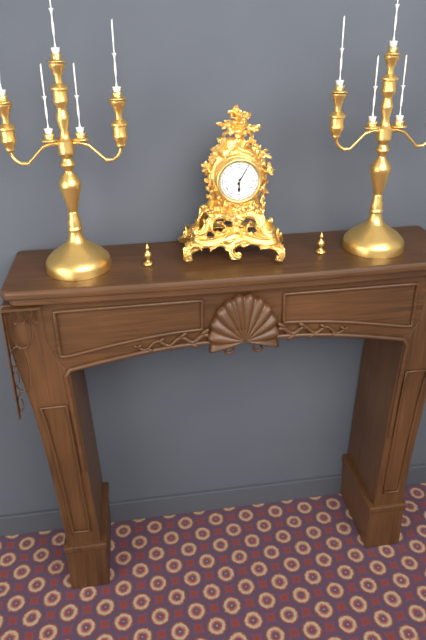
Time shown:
{"hour": 6, "minute": 5}
